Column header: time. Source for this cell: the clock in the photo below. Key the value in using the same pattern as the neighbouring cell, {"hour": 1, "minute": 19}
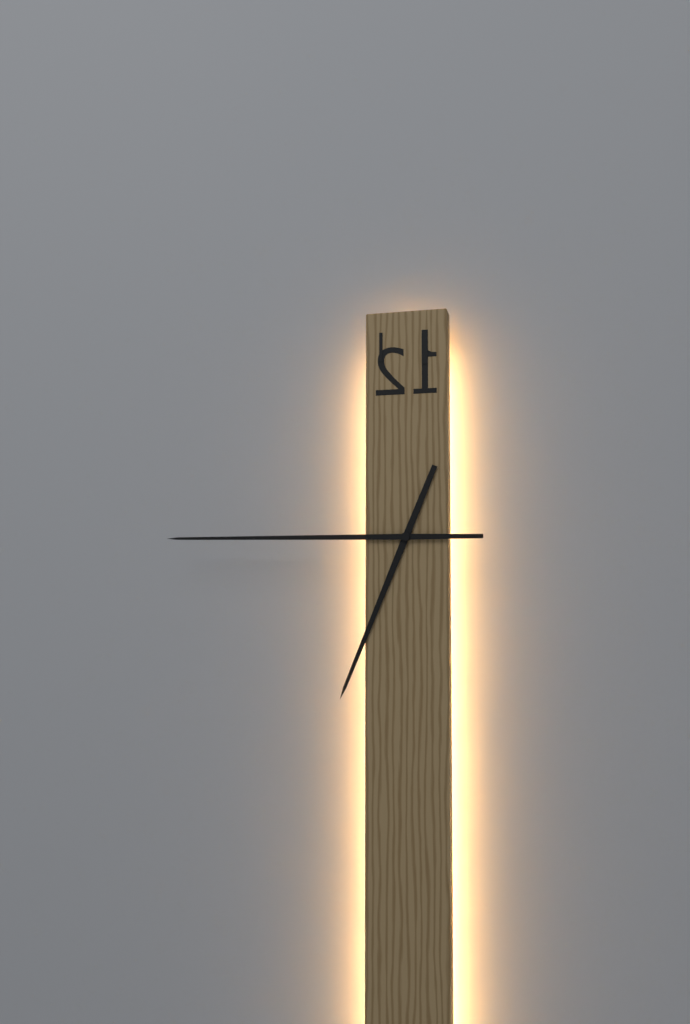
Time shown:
{"hour": 6, "minute": 45}
